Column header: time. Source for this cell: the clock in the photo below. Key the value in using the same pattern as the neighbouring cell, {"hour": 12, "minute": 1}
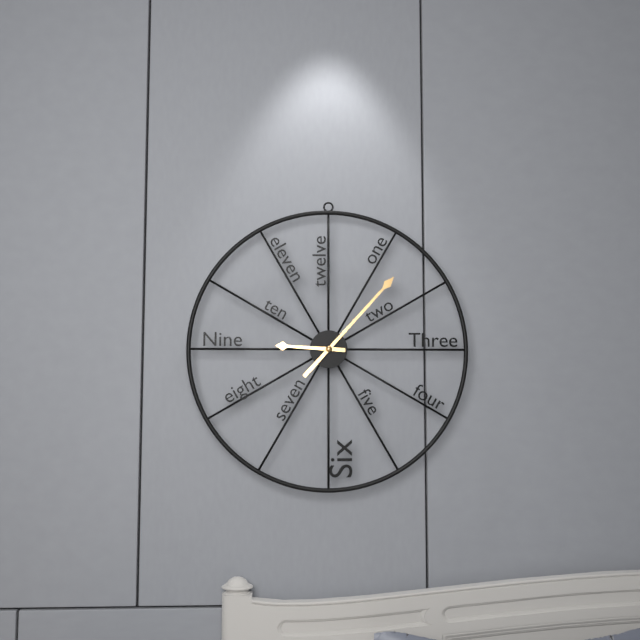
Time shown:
{"hour": 9, "minute": 7}
